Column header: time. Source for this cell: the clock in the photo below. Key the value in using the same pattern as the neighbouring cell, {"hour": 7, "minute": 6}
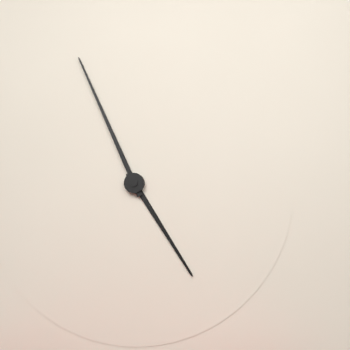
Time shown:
{"hour": 4, "minute": 56}
